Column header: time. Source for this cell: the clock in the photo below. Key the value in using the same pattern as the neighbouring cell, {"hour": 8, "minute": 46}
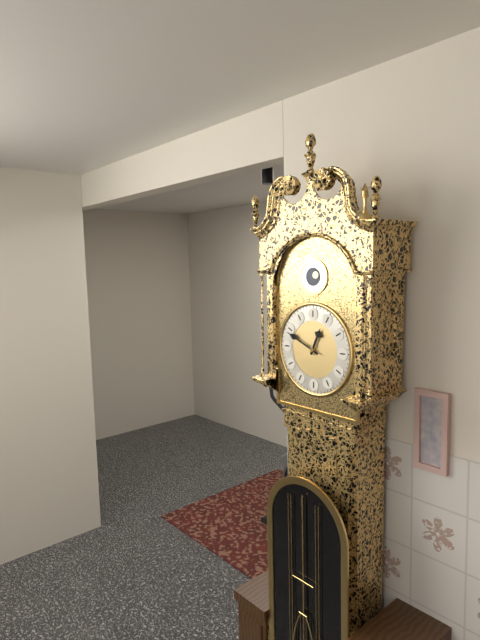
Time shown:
{"hour": 12, "minute": 49}
